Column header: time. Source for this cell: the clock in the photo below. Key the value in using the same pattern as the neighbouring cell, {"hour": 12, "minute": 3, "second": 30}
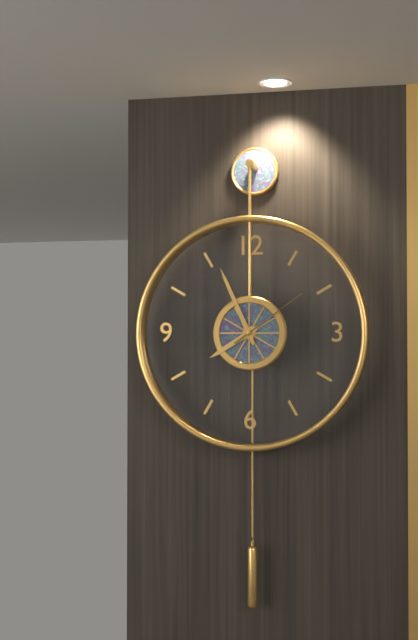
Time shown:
{"hour": 7, "minute": 56, "second": 9}
